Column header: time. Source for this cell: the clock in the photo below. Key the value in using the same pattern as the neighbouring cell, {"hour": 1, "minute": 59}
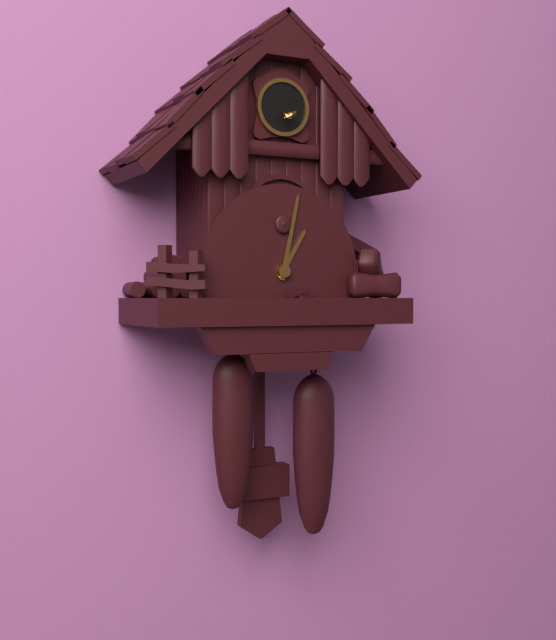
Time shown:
{"hour": 1, "minute": 2}
